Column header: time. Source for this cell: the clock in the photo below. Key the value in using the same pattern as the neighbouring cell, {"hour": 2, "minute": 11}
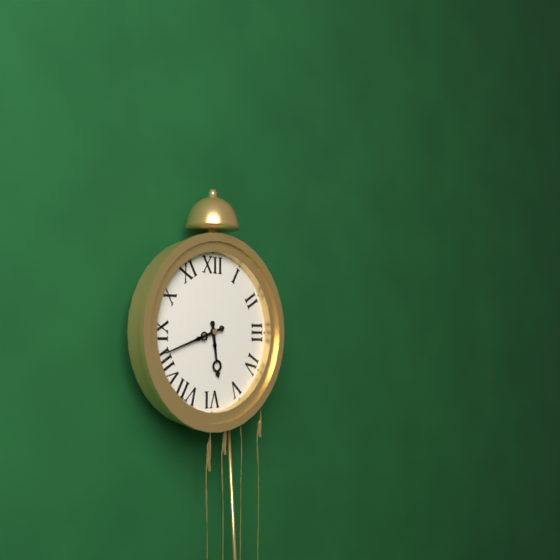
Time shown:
{"hour": 5, "minute": 42}
